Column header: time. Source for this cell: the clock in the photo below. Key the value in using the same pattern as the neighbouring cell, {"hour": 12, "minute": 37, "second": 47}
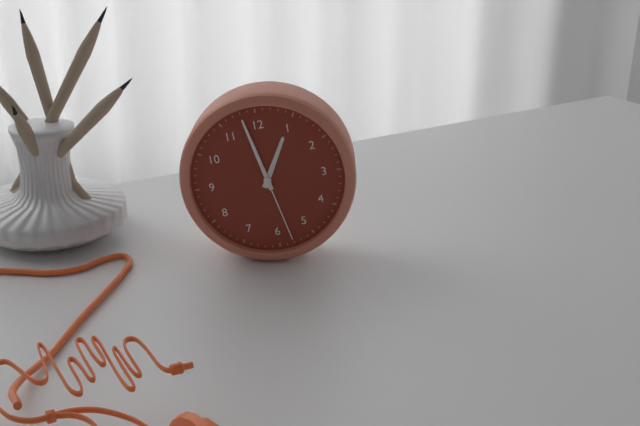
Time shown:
{"hour": 12, "minute": 58, "second": 28}
